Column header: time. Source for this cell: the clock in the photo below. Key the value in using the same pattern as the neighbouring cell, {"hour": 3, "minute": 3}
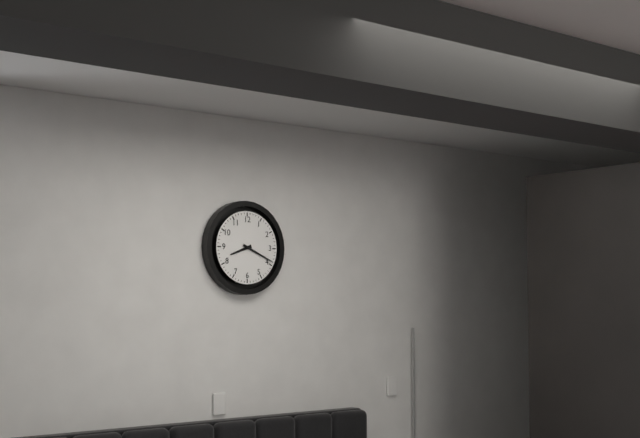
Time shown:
{"hour": 8, "minute": 19}
